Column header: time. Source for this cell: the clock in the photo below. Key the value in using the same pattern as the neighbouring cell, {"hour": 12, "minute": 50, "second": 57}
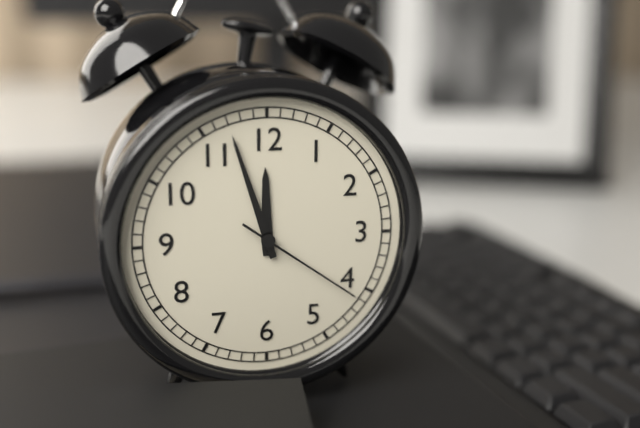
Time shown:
{"hour": 11, "minute": 57, "second": 21}
